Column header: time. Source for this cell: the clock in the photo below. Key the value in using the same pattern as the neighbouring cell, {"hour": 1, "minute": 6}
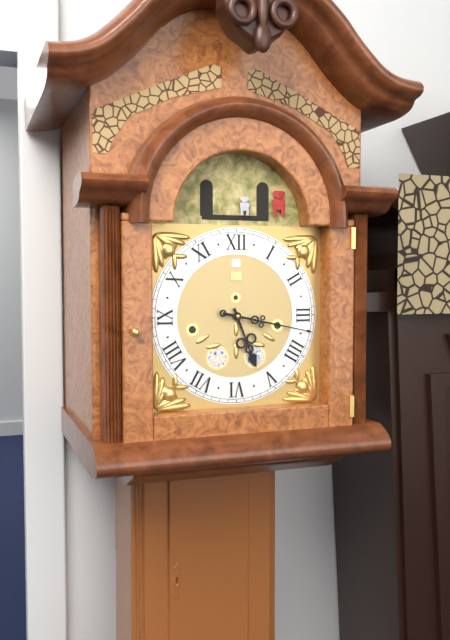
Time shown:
{"hour": 5, "minute": 17}
